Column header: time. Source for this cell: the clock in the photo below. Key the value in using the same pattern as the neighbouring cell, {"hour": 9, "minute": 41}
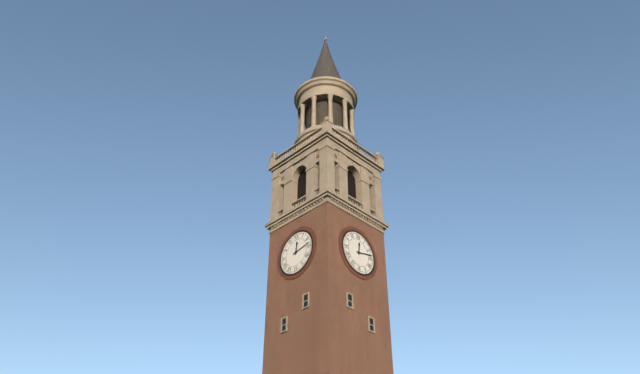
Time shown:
{"hour": 12, "minute": 13}
